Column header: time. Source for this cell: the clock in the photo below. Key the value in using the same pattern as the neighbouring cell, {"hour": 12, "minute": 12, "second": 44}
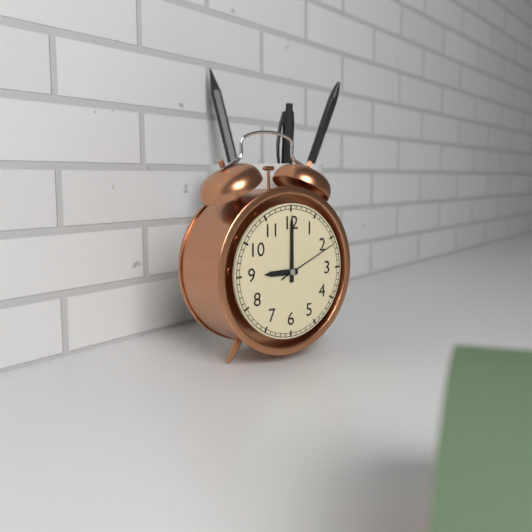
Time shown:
{"hour": 9, "minute": 0, "second": 11}
